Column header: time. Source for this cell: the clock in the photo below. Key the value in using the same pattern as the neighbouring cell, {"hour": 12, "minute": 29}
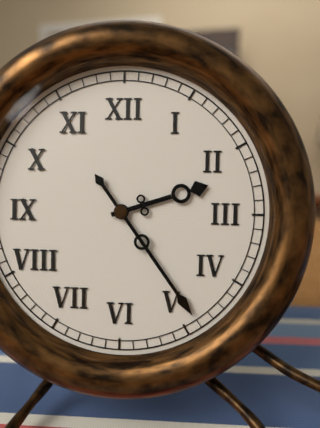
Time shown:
{"hour": 2, "minute": 24}
